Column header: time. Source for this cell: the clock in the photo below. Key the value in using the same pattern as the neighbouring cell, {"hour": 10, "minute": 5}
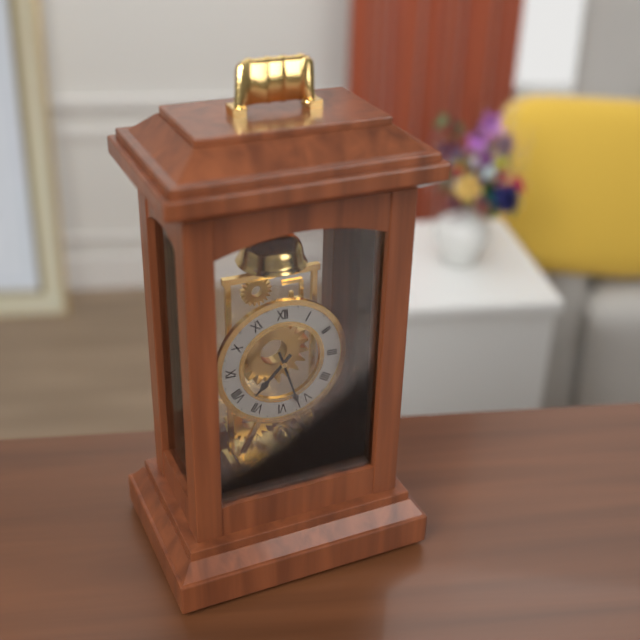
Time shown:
{"hour": 7, "minute": 27}
